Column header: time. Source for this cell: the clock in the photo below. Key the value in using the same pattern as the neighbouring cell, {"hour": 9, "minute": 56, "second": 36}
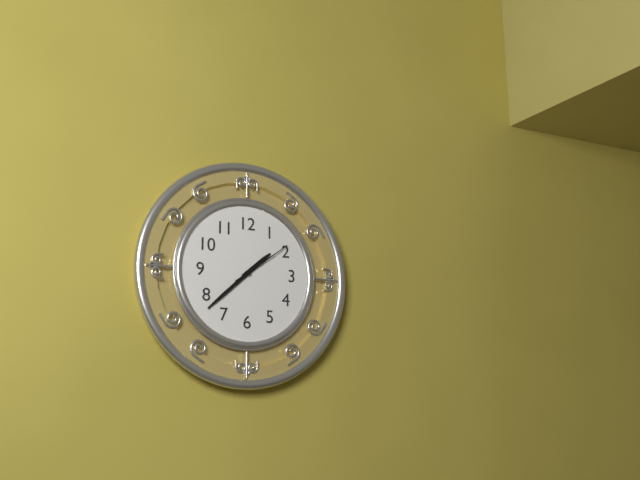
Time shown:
{"hour": 1, "minute": 38, "second": 9}
